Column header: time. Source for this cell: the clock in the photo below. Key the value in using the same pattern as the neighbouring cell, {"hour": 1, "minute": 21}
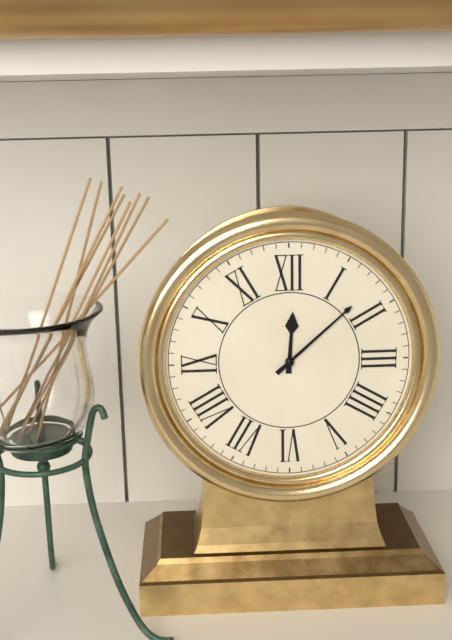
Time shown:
{"hour": 12, "minute": 8}
